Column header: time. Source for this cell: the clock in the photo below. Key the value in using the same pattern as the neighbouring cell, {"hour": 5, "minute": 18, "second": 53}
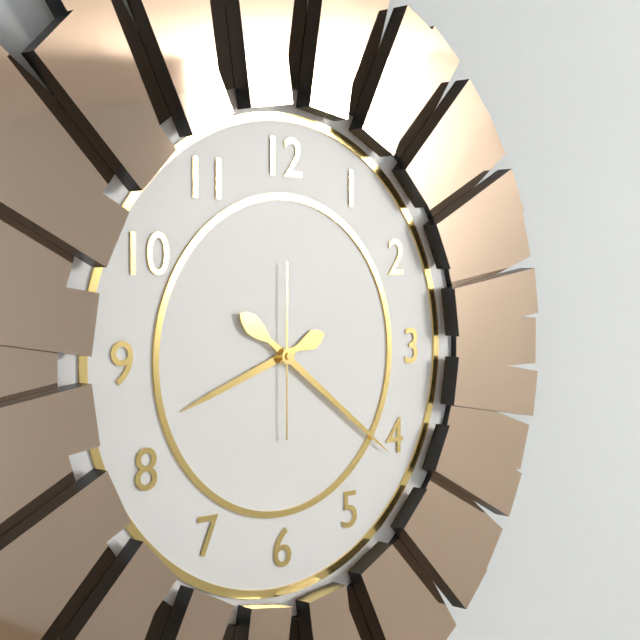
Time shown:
{"hour": 8, "minute": 21, "second": 0}
